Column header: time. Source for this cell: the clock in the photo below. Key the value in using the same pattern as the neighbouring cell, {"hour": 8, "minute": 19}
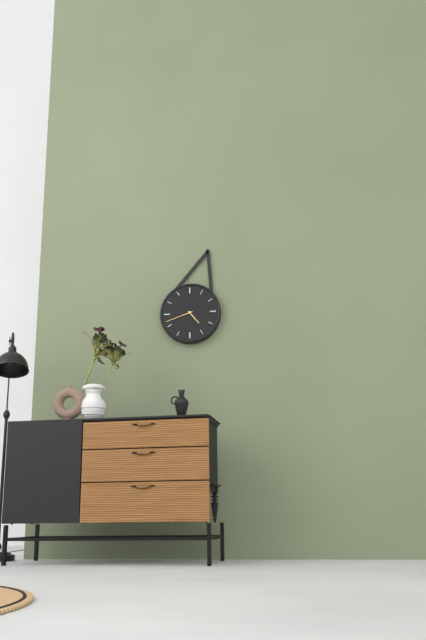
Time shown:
{"hour": 4, "minute": 42}
